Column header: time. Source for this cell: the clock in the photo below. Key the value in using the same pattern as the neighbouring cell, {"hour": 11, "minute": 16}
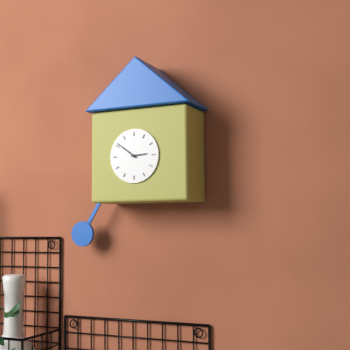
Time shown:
{"hour": 2, "minute": 51}
